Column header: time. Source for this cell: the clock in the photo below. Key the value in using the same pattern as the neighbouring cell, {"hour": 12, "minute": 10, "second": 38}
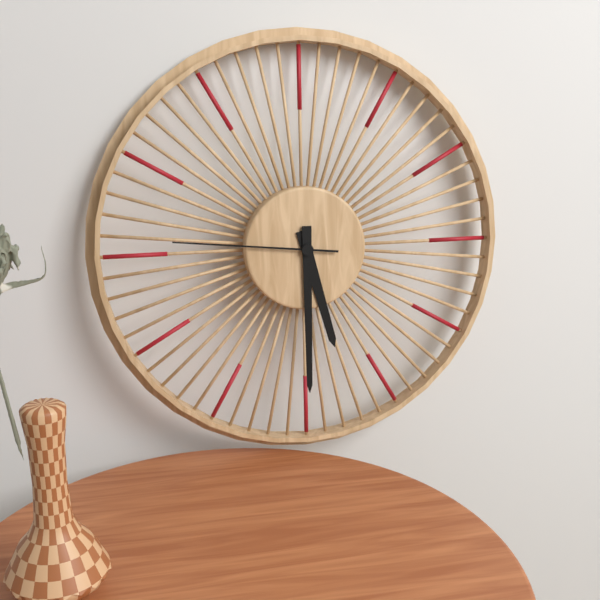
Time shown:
{"hour": 5, "minute": 30, "second": 46}
